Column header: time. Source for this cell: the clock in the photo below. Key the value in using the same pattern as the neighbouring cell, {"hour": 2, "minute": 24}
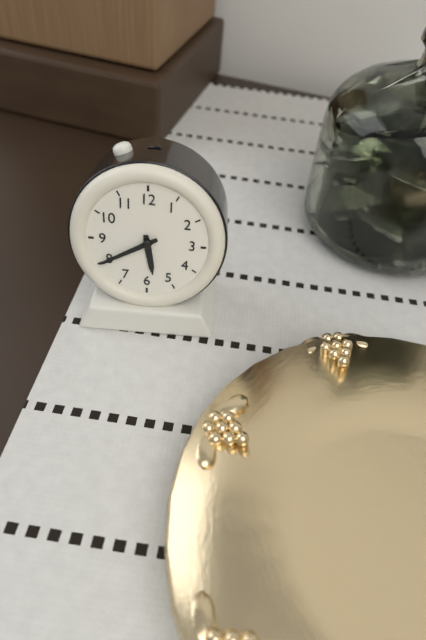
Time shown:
{"hour": 5, "minute": 40}
